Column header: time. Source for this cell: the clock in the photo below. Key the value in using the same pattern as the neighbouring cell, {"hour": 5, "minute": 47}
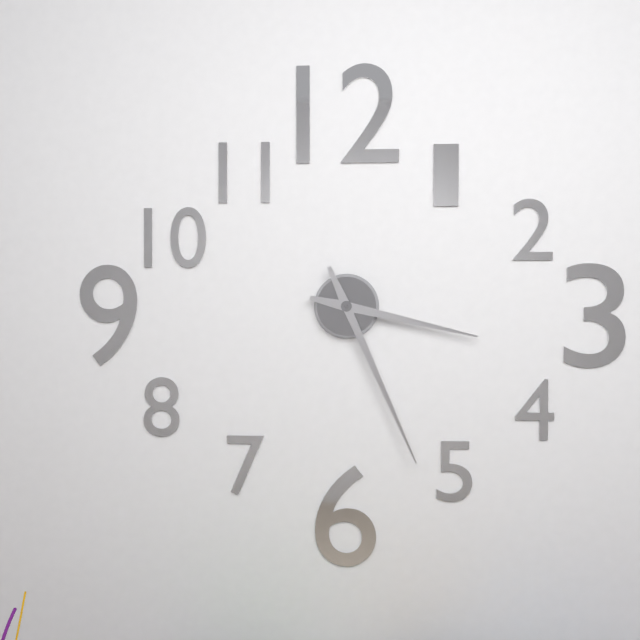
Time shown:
{"hour": 3, "minute": 26}
